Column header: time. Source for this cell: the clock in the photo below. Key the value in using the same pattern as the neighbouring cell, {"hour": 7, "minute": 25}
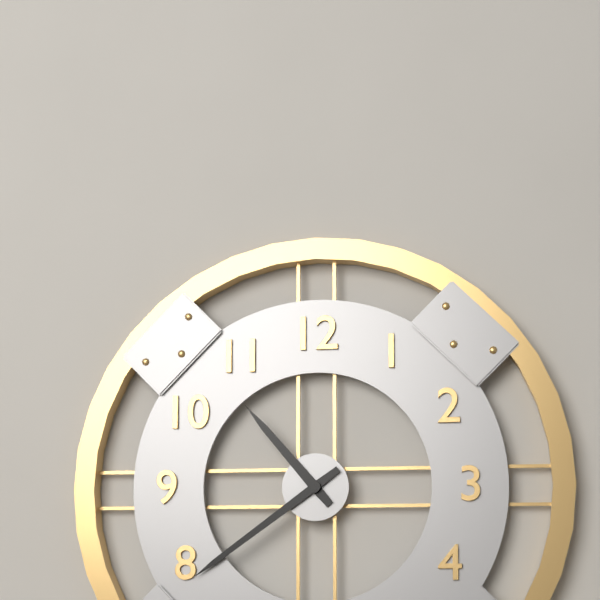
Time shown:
{"hour": 10, "minute": 39}
